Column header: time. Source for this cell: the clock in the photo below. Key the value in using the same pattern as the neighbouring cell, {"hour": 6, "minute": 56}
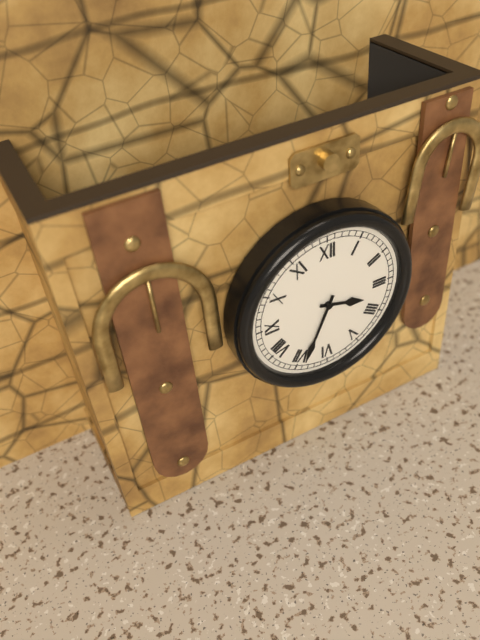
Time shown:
{"hour": 3, "minute": 34}
